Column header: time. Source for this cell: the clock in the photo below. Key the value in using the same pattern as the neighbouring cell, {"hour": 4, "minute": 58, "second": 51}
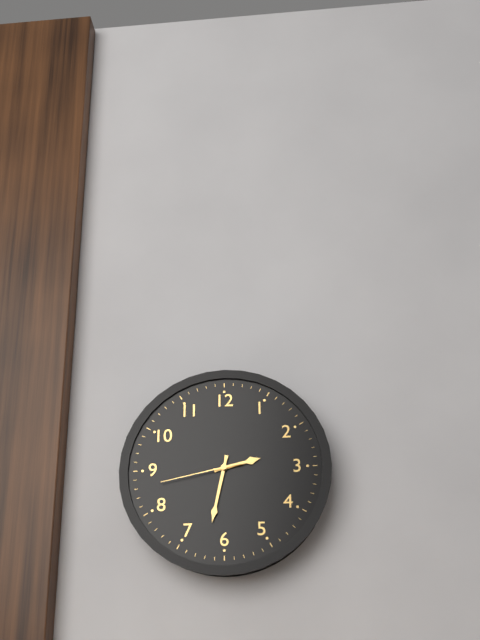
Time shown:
{"hour": 2, "minute": 32, "second": 43}
